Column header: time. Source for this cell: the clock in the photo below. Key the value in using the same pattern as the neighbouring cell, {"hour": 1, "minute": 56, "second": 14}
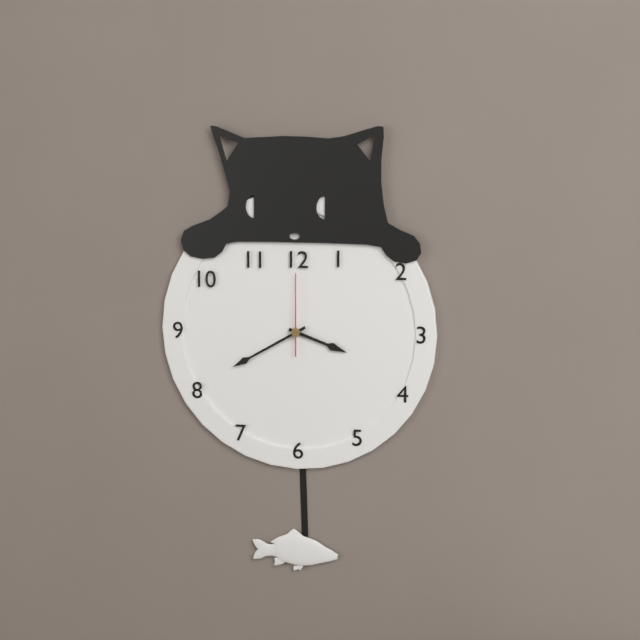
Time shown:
{"hour": 3, "minute": 40, "second": 0}
